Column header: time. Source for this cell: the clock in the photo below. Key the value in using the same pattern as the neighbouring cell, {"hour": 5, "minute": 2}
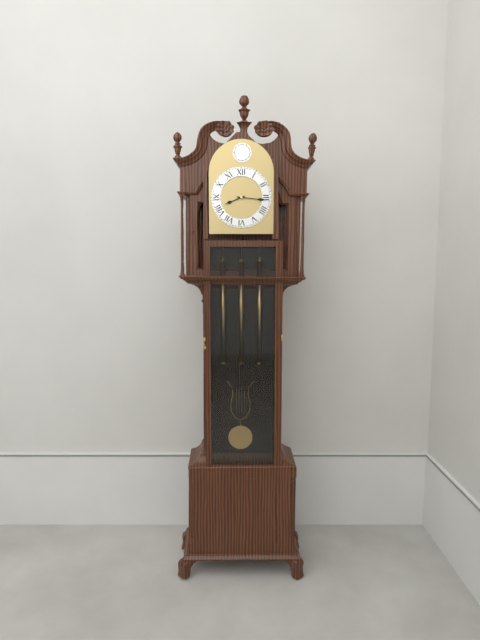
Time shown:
{"hour": 8, "minute": 16}
